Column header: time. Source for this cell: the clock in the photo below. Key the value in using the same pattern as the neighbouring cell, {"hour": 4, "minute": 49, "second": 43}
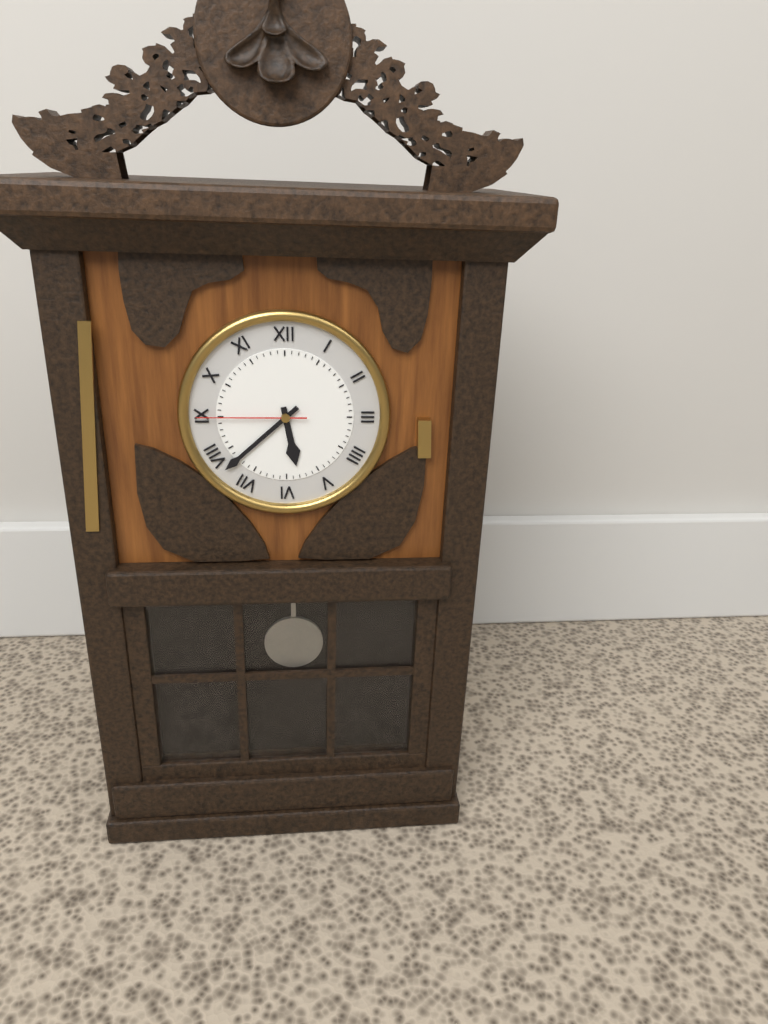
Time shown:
{"hour": 5, "minute": 38, "second": 45}
